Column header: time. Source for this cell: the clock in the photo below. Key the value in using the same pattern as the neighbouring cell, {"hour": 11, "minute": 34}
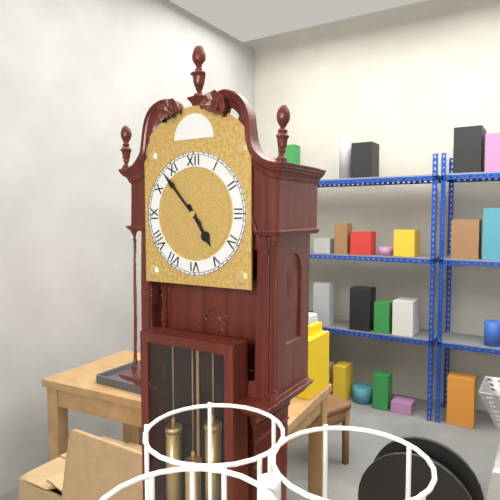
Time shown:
{"hour": 4, "minute": 53}
